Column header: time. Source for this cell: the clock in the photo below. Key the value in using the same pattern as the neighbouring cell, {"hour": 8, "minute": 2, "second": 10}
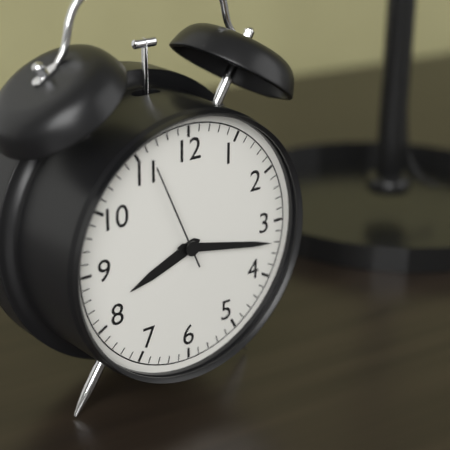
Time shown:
{"hour": 8, "minute": 17, "second": 56}
